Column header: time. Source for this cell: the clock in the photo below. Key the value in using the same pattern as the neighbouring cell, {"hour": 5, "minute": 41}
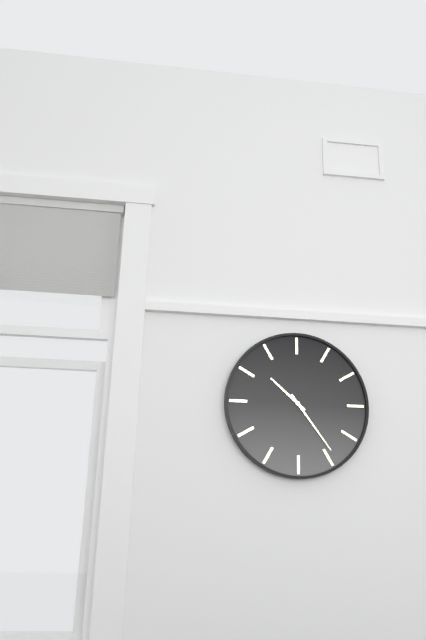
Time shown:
{"hour": 10, "minute": 24}
